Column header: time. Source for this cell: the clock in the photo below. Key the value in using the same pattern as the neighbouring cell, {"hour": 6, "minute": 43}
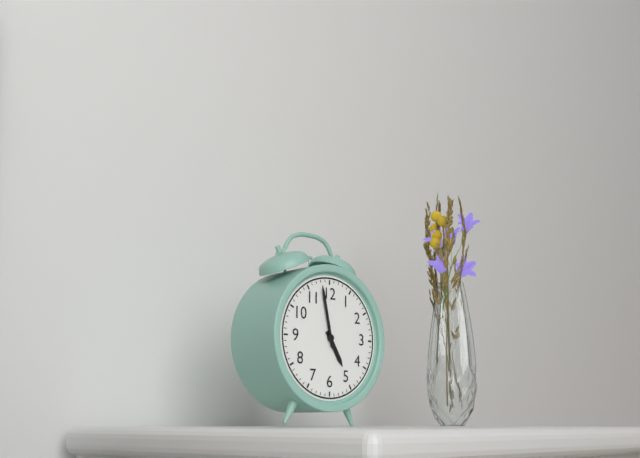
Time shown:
{"hour": 4, "minute": 58}
